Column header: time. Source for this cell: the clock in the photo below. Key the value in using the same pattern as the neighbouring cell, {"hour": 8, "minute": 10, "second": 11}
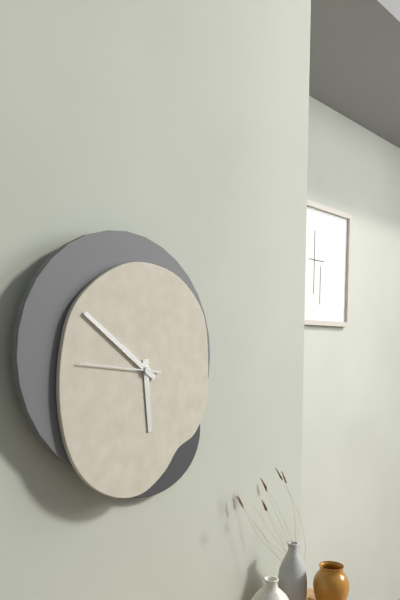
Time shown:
{"hour": 5, "minute": 51, "second": 46}
